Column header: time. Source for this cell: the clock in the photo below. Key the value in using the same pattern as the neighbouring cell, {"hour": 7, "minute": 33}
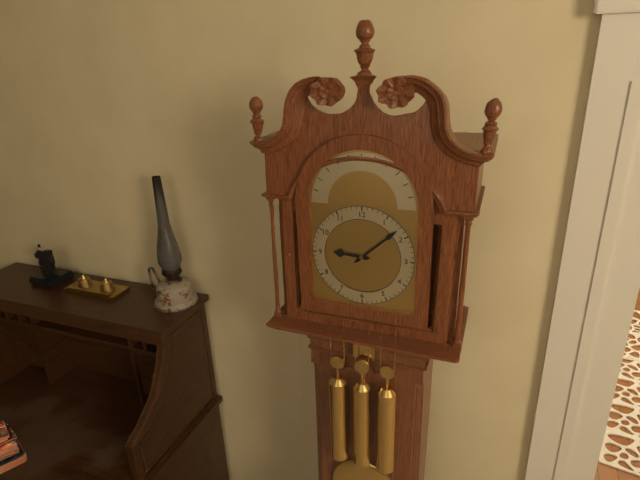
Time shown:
{"hour": 9, "minute": 8}
